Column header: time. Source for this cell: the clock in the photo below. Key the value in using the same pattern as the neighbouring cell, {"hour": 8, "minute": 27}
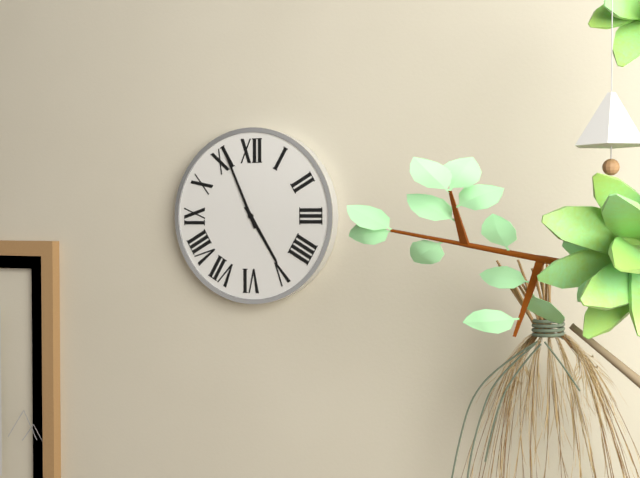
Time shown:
{"hour": 4, "minute": 56}
